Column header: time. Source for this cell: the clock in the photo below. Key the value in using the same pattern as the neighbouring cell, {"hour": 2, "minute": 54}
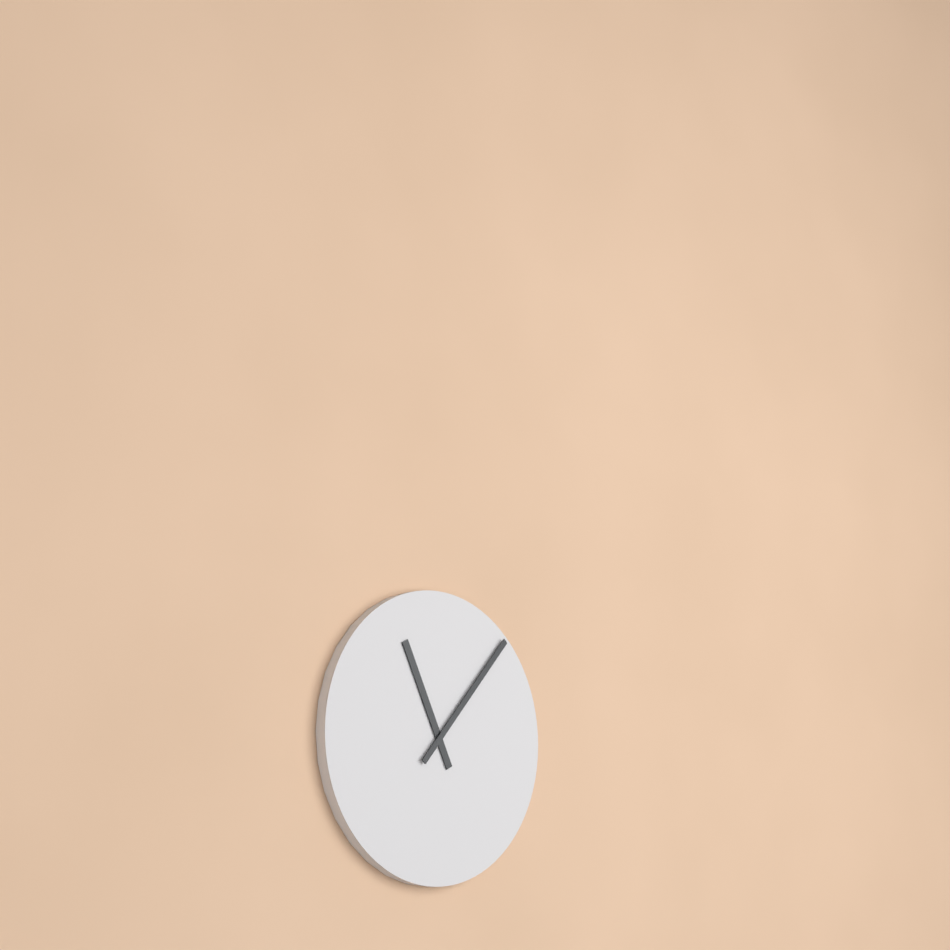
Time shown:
{"hour": 11, "minute": 7}
